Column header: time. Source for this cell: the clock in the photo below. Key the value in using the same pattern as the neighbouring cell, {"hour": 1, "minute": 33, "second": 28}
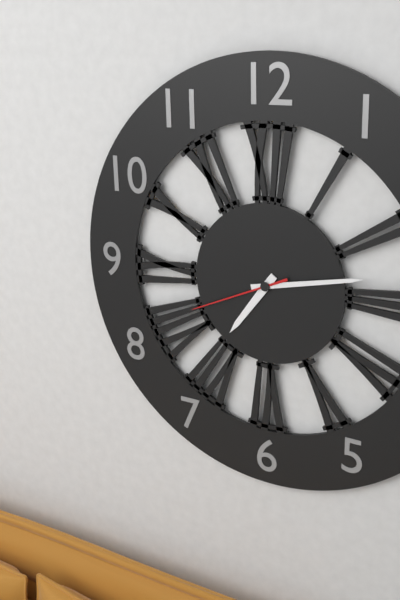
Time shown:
{"hour": 7, "minute": 13, "second": 41}
